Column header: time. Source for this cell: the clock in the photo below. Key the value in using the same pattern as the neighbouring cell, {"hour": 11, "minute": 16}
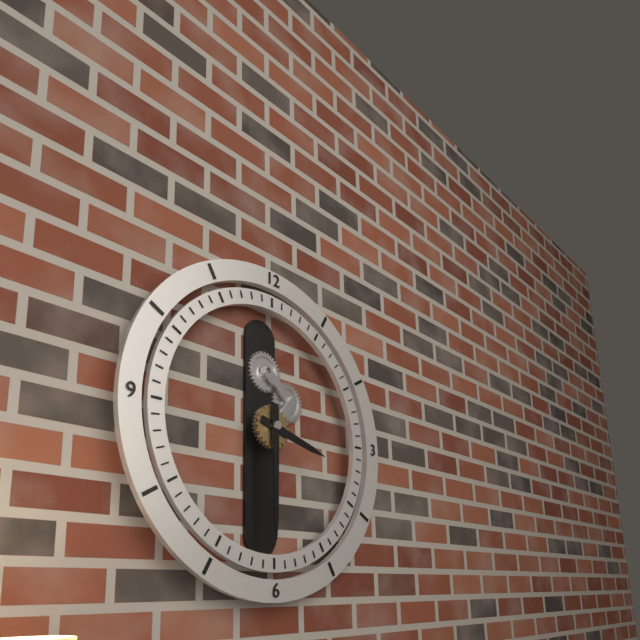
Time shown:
{"hour": 3, "minute": 30}
